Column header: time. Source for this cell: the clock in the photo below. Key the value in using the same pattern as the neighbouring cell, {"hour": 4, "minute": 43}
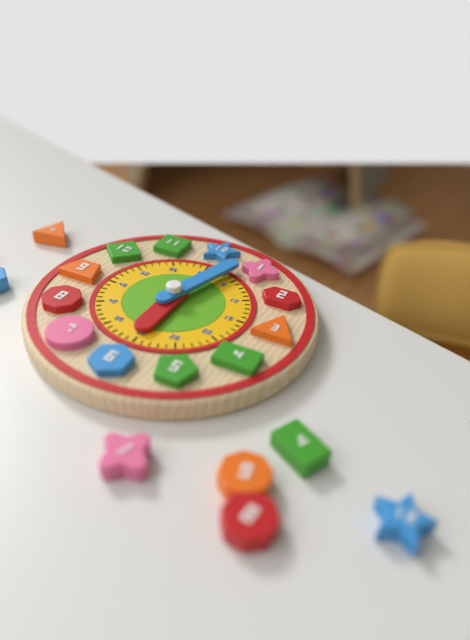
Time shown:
{"hour": 6, "minute": 3}
